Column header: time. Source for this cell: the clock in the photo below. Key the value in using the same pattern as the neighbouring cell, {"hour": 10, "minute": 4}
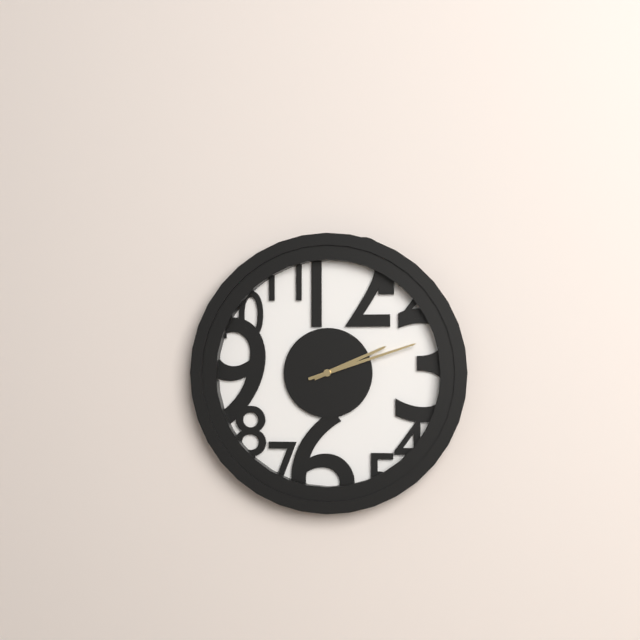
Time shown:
{"hour": 2, "minute": 12}
